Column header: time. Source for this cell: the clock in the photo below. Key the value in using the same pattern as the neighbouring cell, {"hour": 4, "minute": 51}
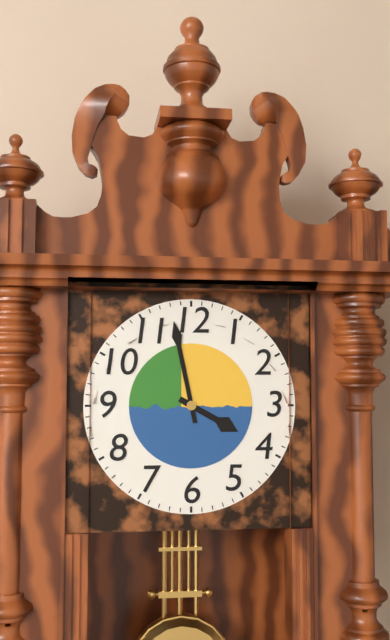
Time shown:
{"hour": 3, "minute": 58}
